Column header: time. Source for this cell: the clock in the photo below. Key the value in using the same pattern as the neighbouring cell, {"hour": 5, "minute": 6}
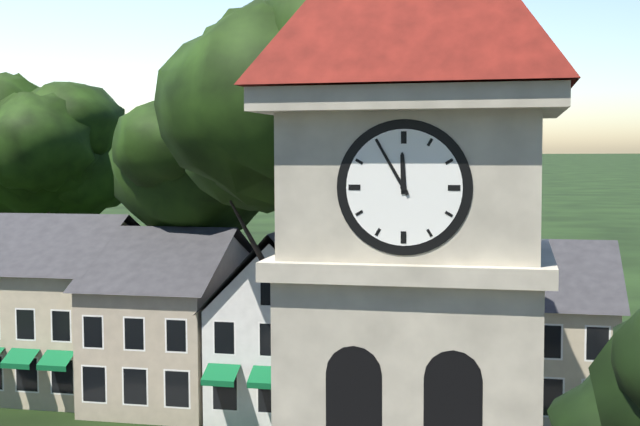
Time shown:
{"hour": 11, "minute": 55}
